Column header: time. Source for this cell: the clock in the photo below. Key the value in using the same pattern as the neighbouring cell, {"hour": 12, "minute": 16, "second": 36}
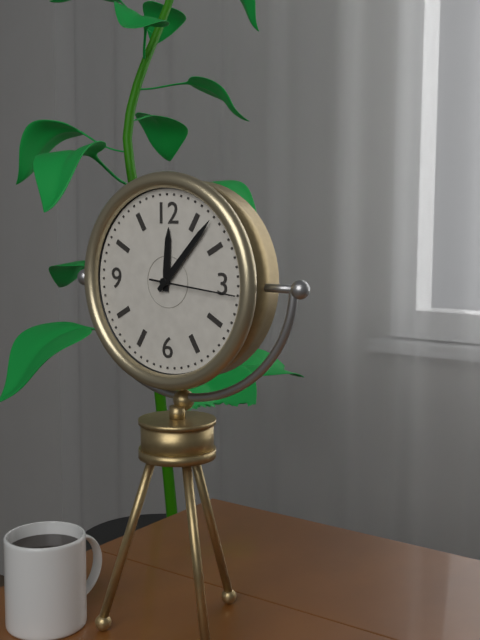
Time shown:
{"hour": 12, "minute": 7, "second": 16}
